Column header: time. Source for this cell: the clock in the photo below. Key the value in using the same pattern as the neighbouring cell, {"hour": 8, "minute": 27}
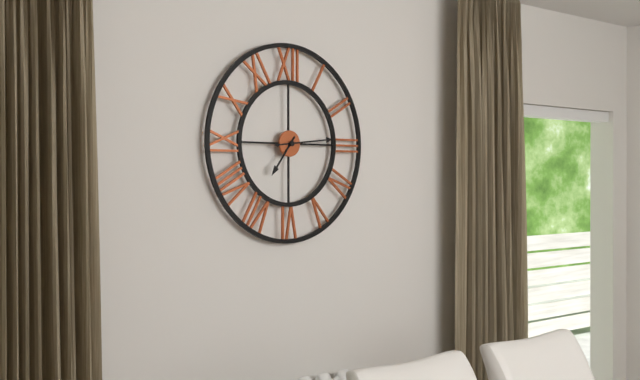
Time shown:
{"hour": 7, "minute": 14}
